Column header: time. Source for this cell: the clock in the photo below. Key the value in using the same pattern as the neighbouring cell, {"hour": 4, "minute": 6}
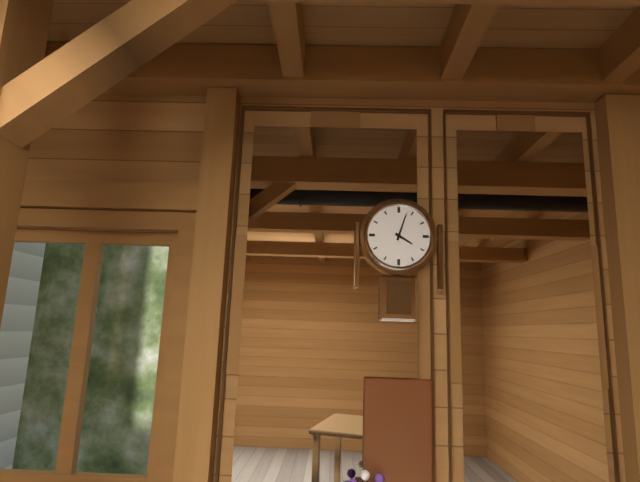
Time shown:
{"hour": 4, "minute": 3}
